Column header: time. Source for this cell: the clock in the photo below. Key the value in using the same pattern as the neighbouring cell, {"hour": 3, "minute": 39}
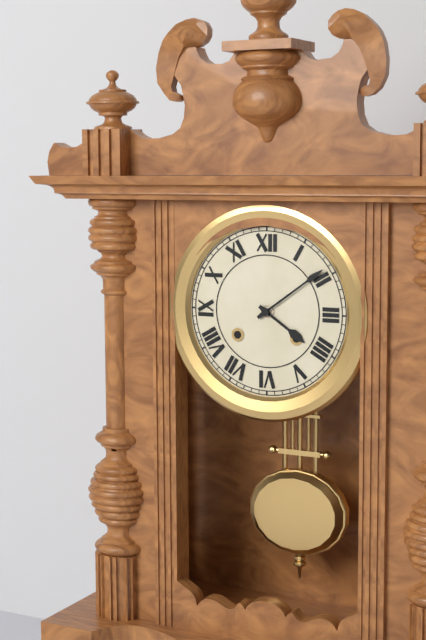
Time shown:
{"hour": 4, "minute": 9}
